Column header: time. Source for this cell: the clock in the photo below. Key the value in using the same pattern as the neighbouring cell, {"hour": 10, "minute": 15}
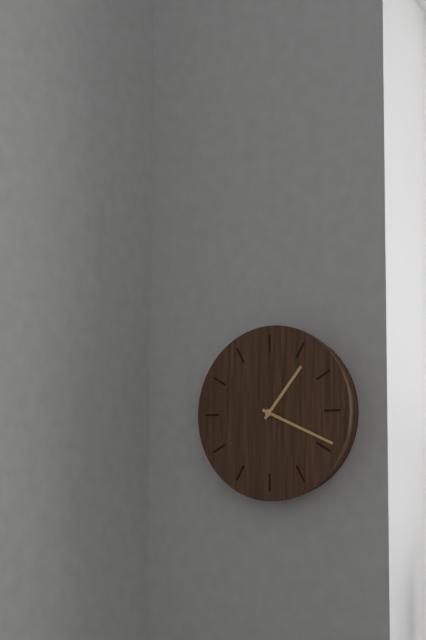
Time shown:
{"hour": 1, "minute": 19}
